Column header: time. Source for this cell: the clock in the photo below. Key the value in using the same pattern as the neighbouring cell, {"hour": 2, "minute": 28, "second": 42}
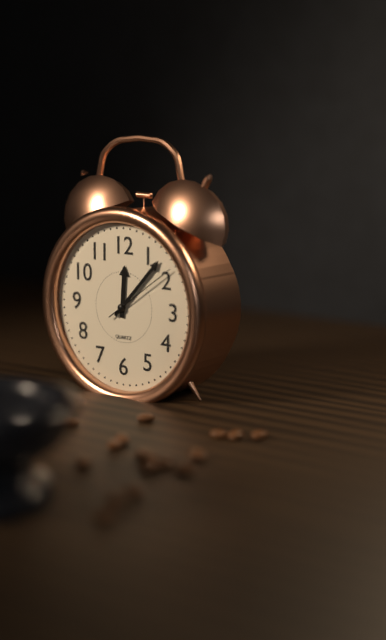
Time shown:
{"hour": 12, "minute": 7, "second": 9}
